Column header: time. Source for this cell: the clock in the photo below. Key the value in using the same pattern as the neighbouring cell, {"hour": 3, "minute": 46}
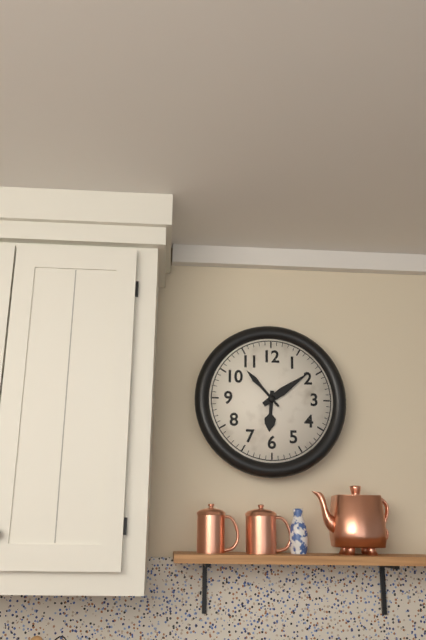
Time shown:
{"hour": 6, "minute": 9}
